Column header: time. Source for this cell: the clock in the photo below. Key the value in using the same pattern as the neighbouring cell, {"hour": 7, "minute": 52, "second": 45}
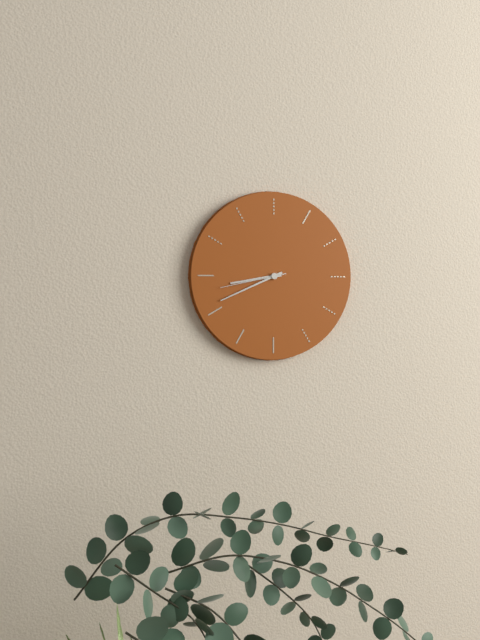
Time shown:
{"hour": 8, "minute": 41, "second": 43}
